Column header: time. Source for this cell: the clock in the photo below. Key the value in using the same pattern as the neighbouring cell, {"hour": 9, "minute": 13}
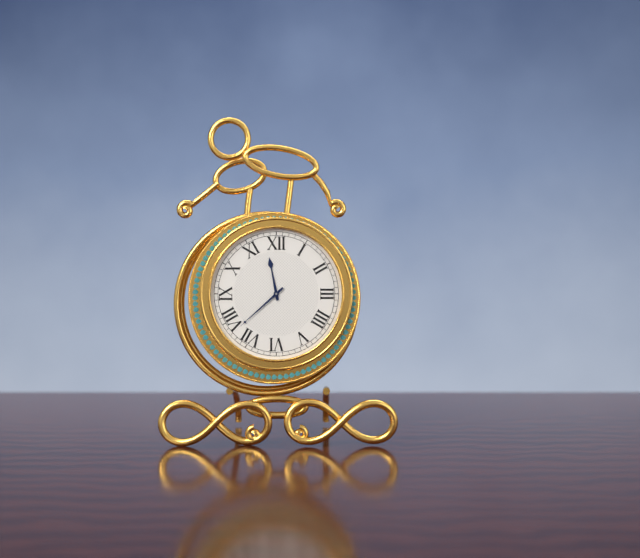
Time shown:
{"hour": 11, "minute": 38}
